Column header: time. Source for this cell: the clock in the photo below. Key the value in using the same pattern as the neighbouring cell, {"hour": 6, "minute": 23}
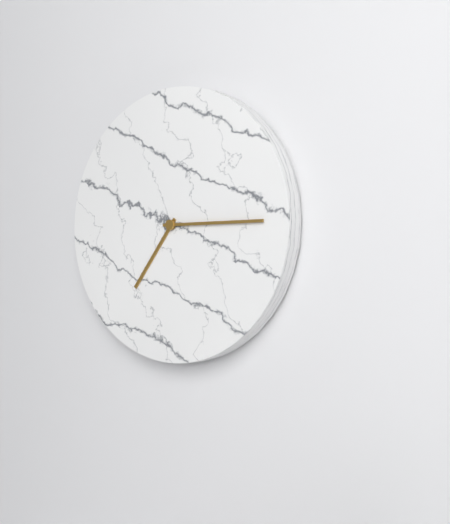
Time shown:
{"hour": 7, "minute": 15}
